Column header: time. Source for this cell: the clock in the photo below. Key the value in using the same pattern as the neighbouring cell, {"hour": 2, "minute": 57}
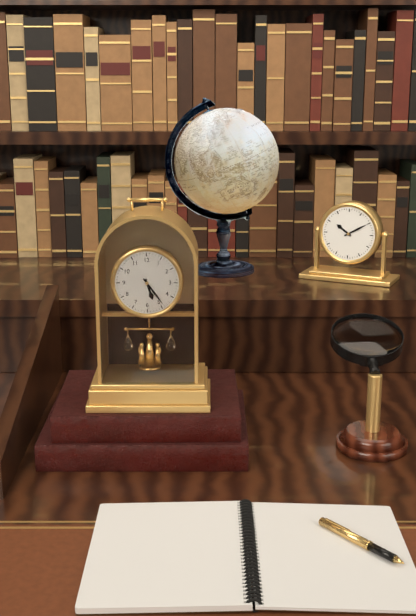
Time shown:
{"hour": 5, "minute": 24}
